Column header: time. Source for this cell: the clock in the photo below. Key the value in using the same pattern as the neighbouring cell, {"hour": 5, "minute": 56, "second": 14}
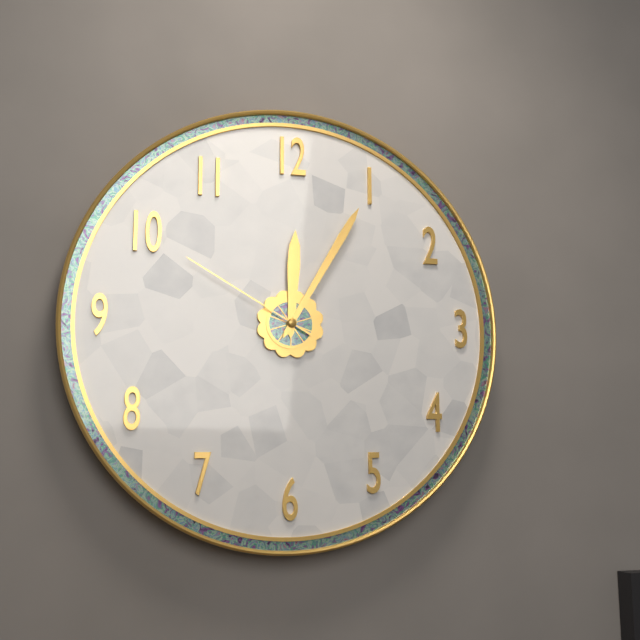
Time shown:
{"hour": 12, "minute": 5, "second": 50}
